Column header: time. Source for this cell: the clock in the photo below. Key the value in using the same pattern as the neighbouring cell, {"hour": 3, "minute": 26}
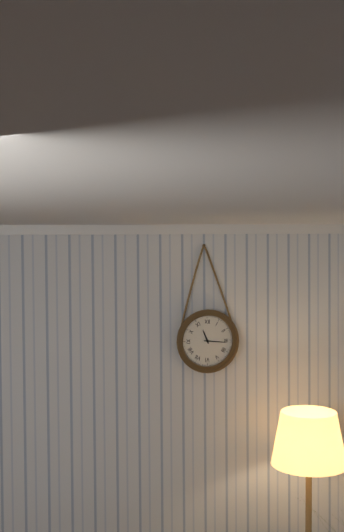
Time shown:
{"hour": 11, "minute": 16}
